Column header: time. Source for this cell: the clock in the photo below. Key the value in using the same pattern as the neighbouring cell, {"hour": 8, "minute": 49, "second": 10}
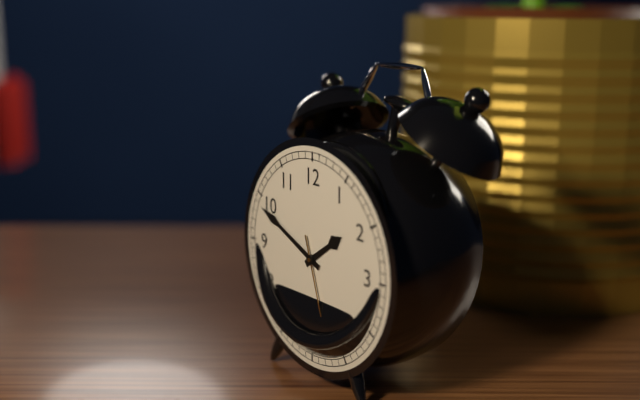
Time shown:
{"hour": 1, "minute": 49, "second": 27}
